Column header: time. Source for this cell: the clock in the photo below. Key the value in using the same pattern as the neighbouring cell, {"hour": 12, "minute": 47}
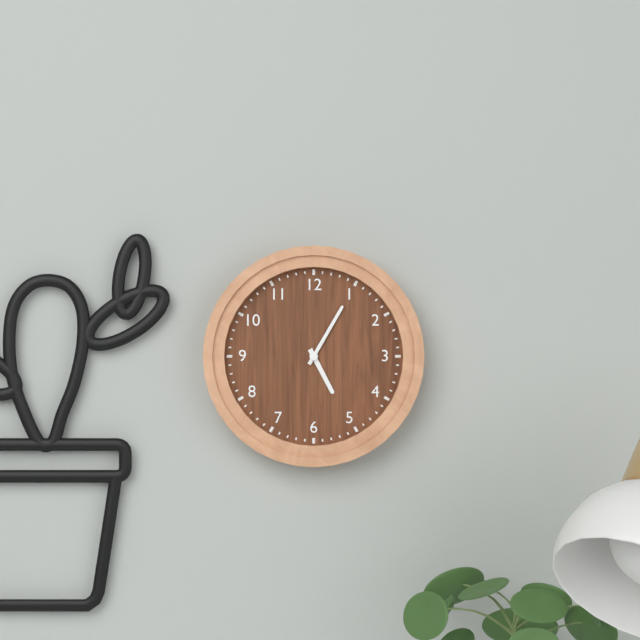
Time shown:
{"hour": 5, "minute": 5}
